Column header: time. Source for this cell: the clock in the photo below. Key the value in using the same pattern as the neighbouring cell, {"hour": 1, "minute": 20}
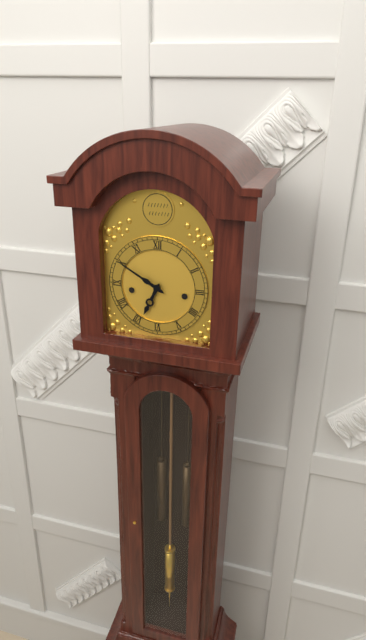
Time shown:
{"hour": 6, "minute": 50}
